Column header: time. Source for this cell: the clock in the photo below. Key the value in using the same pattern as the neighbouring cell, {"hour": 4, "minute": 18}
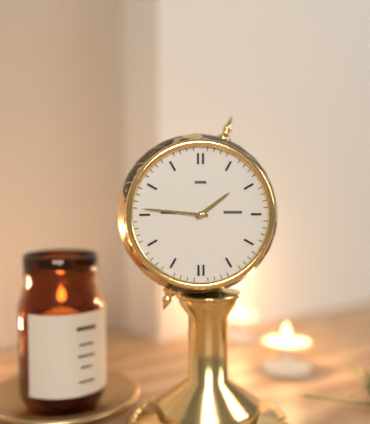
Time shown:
{"hour": 1, "minute": 46}
